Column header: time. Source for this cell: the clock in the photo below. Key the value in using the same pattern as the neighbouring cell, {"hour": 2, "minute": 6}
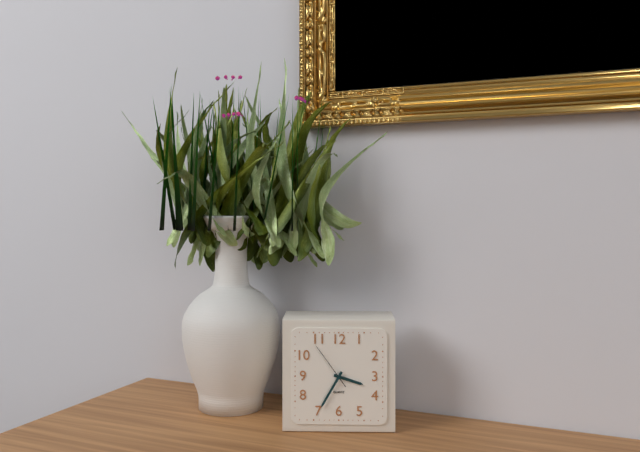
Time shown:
{"hour": 3, "minute": 35}
